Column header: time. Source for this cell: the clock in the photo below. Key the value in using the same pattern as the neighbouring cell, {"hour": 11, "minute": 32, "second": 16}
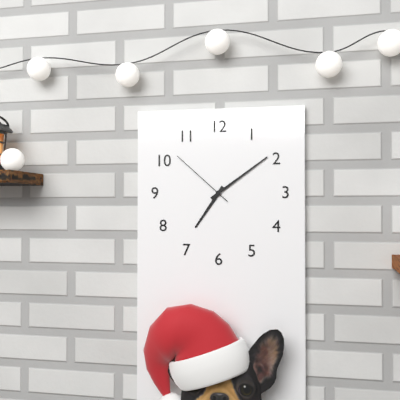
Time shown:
{"hour": 7, "minute": 9, "second": 52}
